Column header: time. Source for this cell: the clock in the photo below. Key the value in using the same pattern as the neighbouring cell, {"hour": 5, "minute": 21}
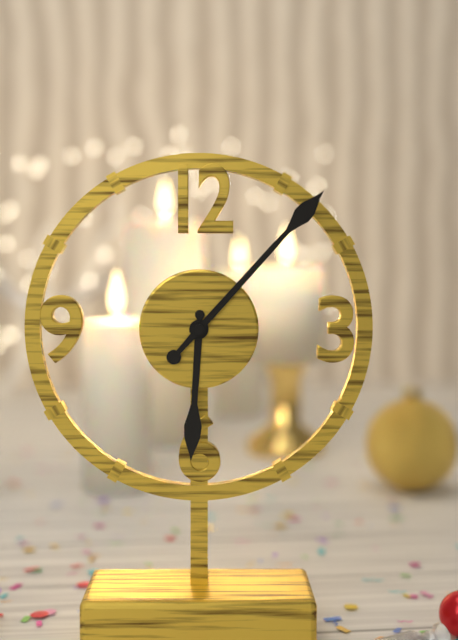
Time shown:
{"hour": 6, "minute": 7}
